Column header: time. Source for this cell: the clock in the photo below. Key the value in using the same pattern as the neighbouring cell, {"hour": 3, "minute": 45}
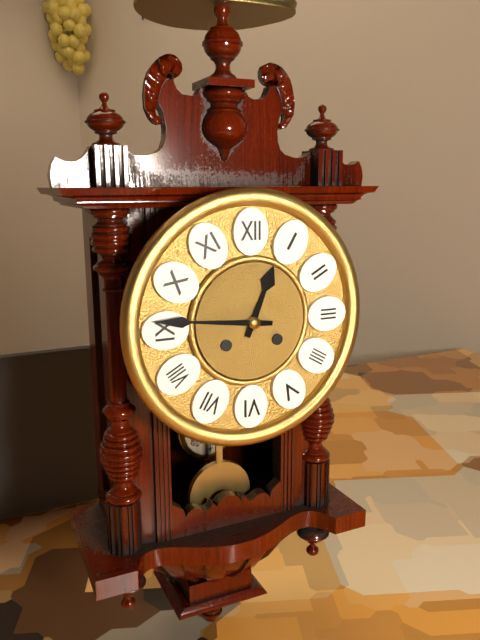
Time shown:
{"hour": 12, "minute": 46}
